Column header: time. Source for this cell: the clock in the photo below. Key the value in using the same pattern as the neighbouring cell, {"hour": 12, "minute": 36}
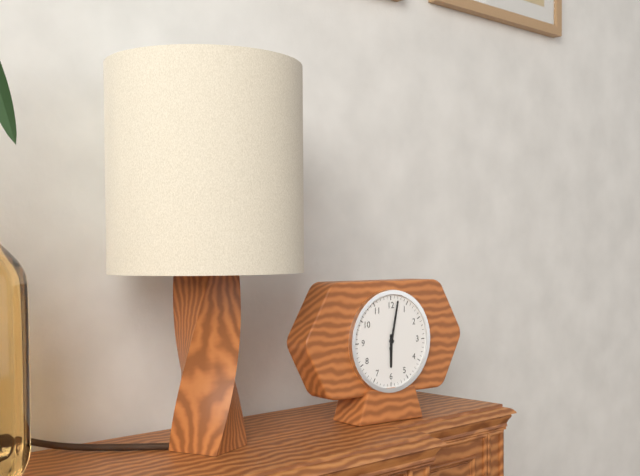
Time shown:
{"hour": 6, "minute": 2}
